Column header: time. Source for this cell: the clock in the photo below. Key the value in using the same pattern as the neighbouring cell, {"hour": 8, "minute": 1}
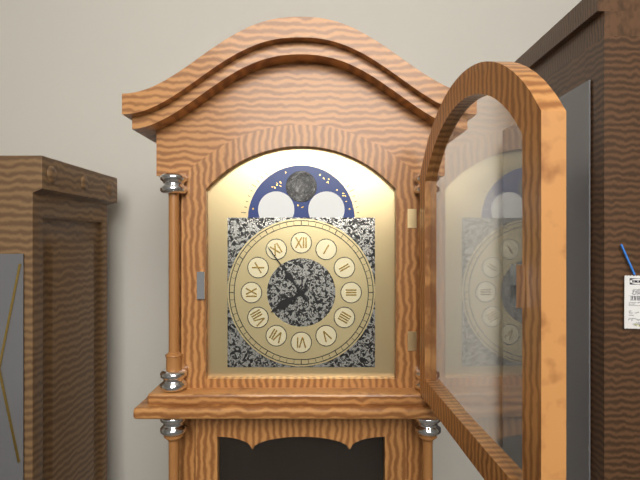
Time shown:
{"hour": 7, "minute": 54}
